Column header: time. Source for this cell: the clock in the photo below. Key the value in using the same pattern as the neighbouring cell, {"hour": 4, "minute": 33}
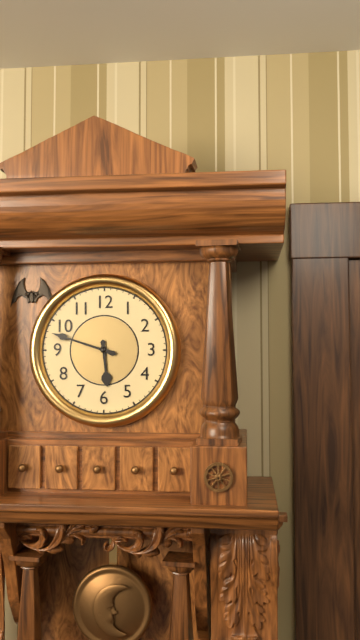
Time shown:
{"hour": 5, "minute": 48}
